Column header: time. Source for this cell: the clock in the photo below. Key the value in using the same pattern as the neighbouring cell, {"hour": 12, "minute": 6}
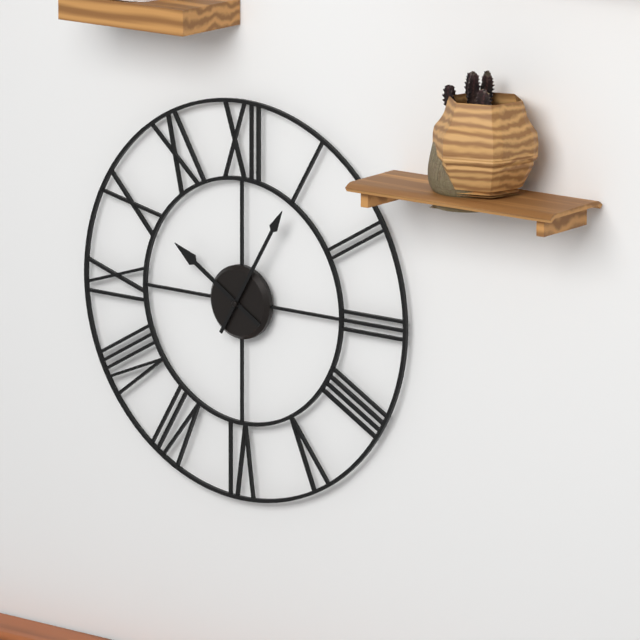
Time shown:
{"hour": 10, "minute": 5}
